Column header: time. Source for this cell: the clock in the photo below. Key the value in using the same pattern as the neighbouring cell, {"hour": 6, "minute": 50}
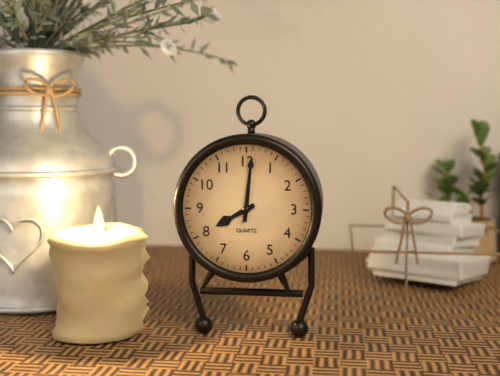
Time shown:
{"hour": 8, "minute": 1}
